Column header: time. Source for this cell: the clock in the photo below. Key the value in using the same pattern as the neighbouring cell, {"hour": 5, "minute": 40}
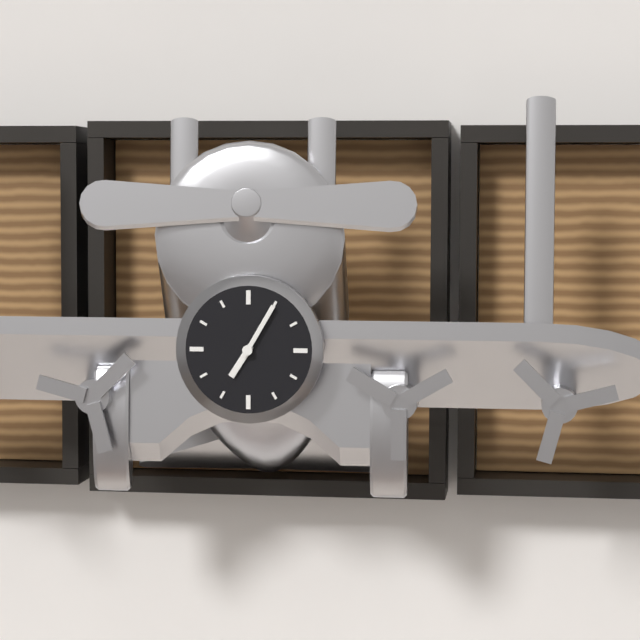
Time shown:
{"hour": 7, "minute": 5}
